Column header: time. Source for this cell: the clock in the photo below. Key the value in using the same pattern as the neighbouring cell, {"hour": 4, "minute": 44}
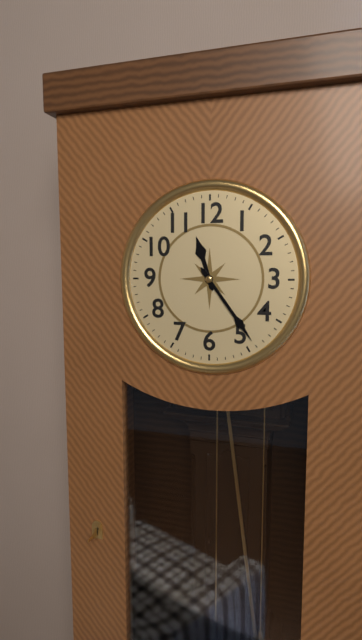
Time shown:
{"hour": 11, "minute": 24}
